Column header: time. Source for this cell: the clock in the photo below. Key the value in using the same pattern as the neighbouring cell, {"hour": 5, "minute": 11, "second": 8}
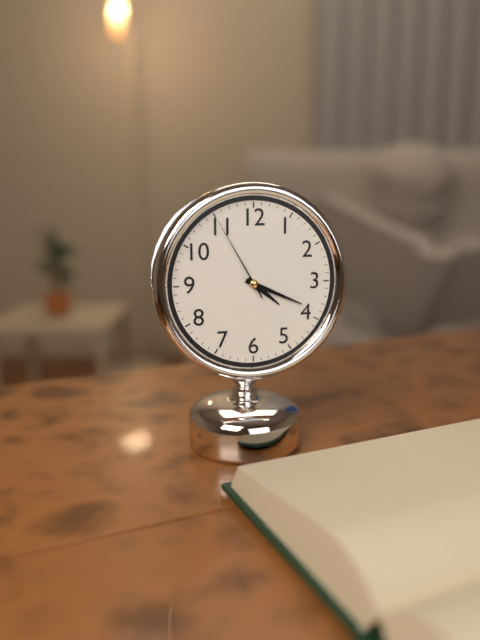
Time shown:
{"hour": 4, "minute": 19, "second": 55}
